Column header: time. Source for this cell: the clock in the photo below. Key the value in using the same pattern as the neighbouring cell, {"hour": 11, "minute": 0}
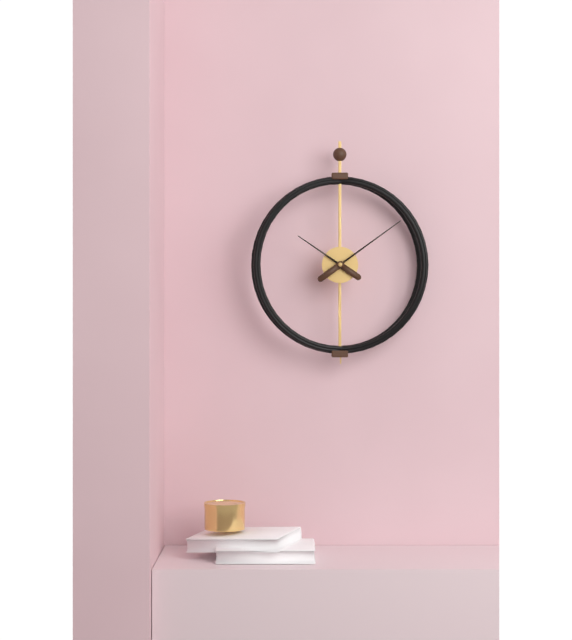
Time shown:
{"hour": 10, "minute": 9}
